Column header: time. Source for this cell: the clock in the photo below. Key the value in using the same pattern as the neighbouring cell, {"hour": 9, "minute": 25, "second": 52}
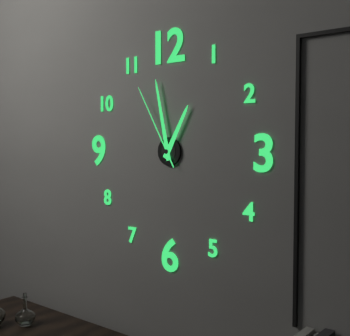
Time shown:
{"hour": 12, "minute": 58, "second": 55}
